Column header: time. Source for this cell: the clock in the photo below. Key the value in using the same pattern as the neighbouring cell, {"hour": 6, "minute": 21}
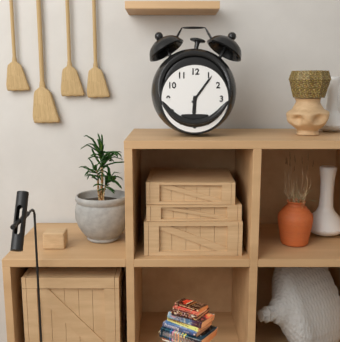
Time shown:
{"hour": 6, "minute": 6}
